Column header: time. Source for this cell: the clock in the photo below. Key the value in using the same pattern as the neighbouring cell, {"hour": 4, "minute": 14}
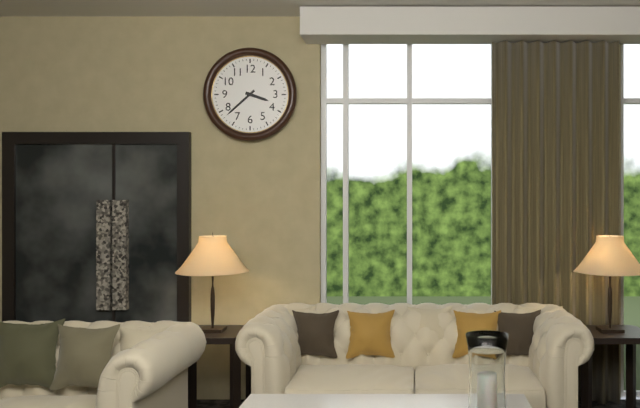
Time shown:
{"hour": 3, "minute": 38}
